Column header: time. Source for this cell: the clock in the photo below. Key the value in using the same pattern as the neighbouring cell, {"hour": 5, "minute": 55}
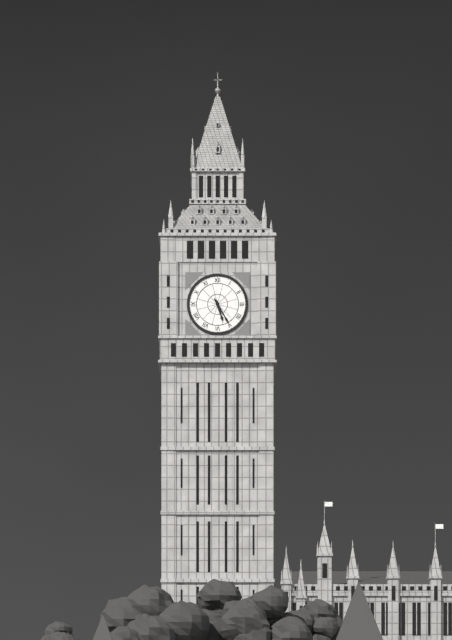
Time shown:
{"hour": 5, "minute": 25}
